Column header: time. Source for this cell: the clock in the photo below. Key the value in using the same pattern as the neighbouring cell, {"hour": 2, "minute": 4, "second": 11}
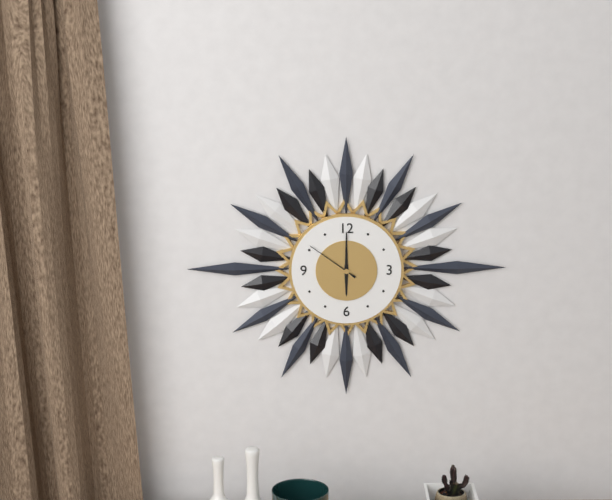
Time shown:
{"hour": 6, "minute": 0, "second": 51}
